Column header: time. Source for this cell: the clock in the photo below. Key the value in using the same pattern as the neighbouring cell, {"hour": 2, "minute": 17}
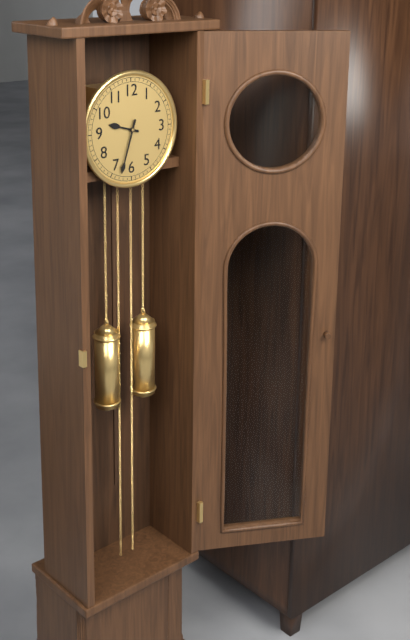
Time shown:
{"hour": 9, "minute": 33}
